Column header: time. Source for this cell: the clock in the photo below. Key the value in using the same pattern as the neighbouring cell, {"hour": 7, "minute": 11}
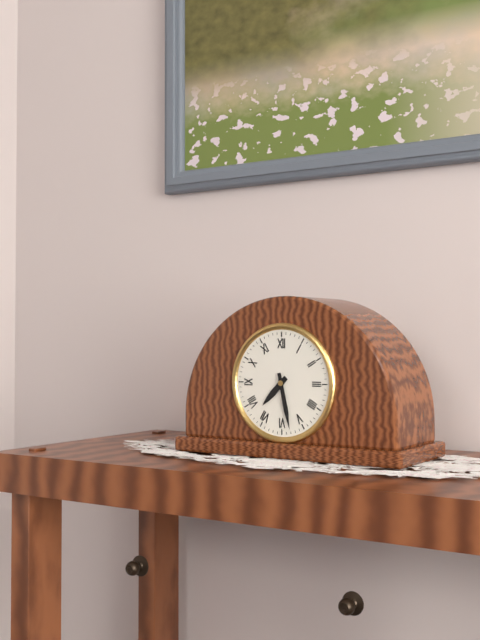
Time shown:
{"hour": 7, "minute": 28}
